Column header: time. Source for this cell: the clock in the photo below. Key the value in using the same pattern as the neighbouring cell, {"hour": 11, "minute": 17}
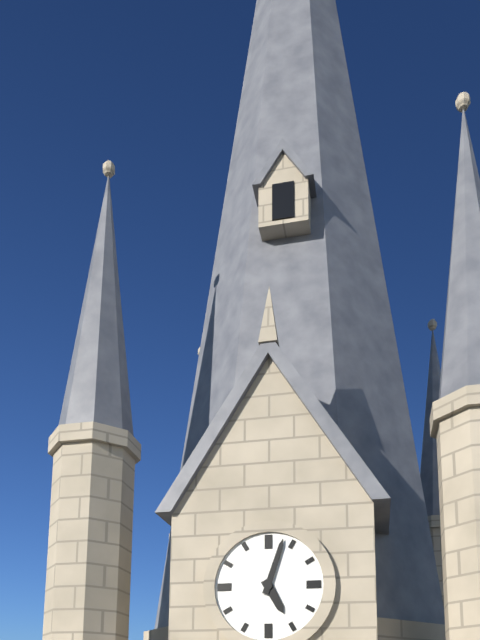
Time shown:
{"hour": 5, "minute": 3}
